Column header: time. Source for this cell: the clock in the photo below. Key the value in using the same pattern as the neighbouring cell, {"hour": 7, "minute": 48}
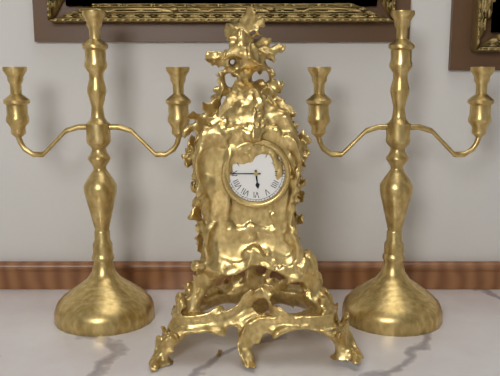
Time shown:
{"hour": 5, "minute": 45}
